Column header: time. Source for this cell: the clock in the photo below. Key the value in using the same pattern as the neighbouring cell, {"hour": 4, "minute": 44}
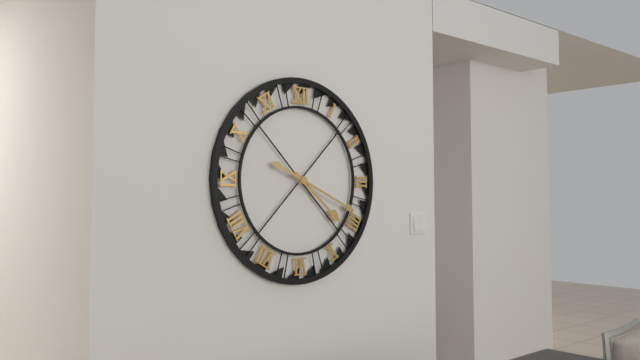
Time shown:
{"hour": 4, "minute": 19}
